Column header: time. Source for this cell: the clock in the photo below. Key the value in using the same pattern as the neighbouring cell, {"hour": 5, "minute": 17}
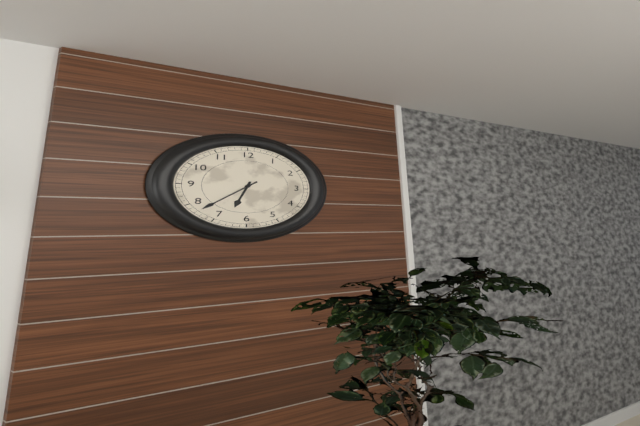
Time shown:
{"hour": 6, "minute": 38}
